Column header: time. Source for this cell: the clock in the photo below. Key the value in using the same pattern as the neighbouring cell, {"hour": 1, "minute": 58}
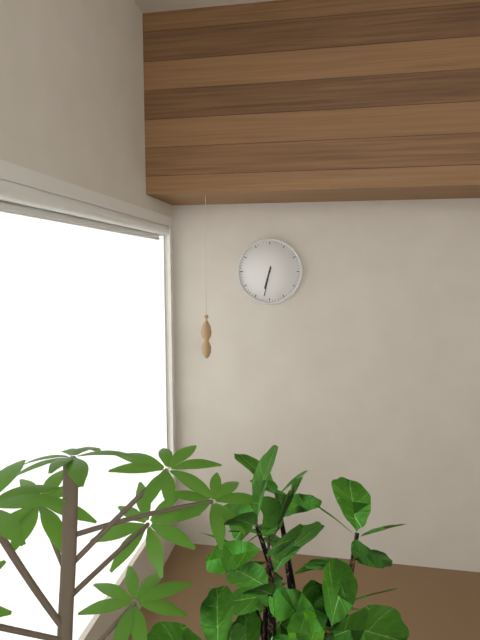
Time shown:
{"hour": 6, "minute": 32}
